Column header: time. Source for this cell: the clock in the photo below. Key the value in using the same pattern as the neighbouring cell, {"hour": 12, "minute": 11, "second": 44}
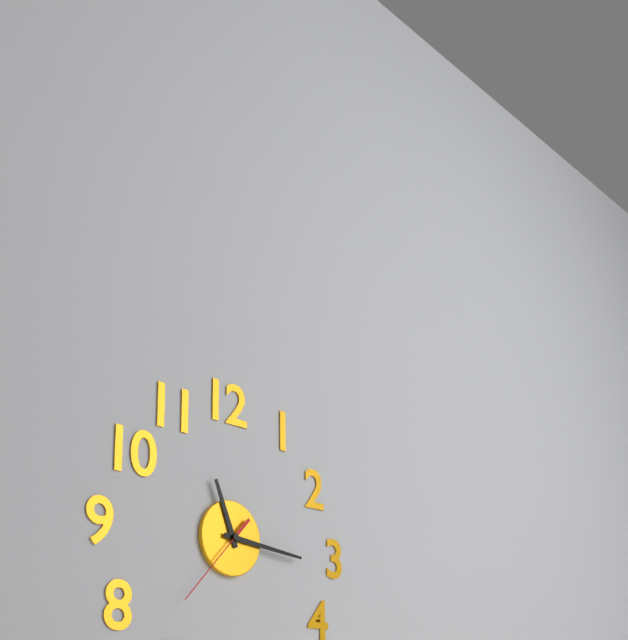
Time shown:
{"hour": 11, "minute": 16, "second": 37}
